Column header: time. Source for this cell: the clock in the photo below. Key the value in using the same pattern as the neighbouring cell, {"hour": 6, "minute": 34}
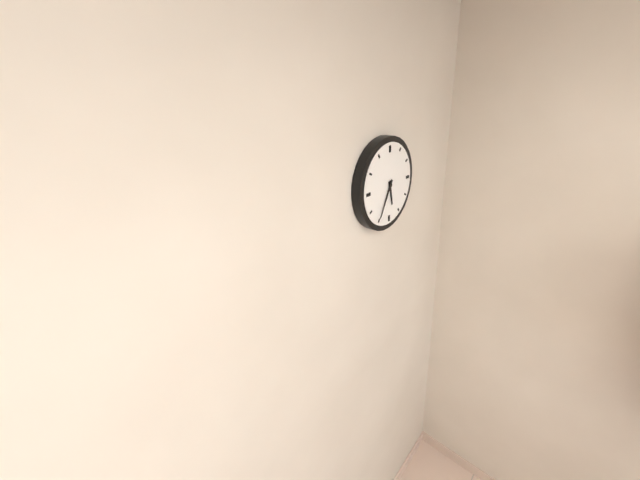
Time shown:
{"hour": 5, "minute": 35}
